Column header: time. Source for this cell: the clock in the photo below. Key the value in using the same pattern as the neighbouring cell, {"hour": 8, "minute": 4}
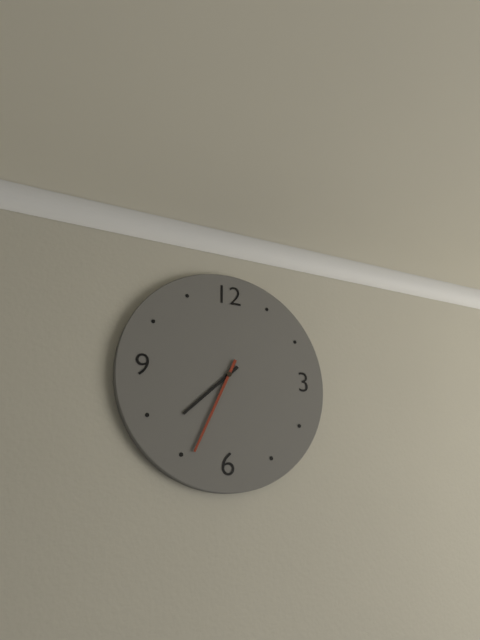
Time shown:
{"hour": 7, "minute": 34}
